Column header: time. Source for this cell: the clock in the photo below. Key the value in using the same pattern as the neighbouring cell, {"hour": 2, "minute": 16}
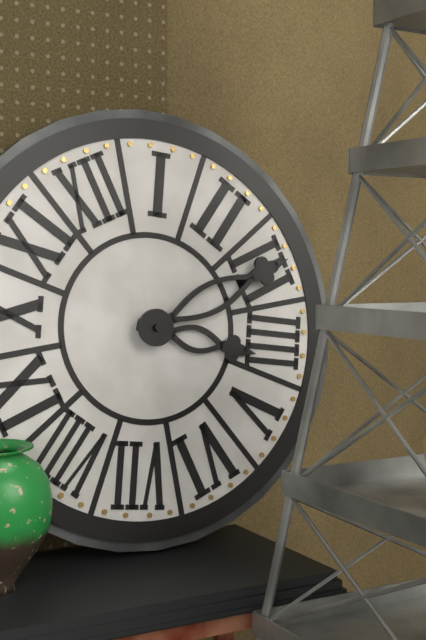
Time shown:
{"hour": 4, "minute": 15}
